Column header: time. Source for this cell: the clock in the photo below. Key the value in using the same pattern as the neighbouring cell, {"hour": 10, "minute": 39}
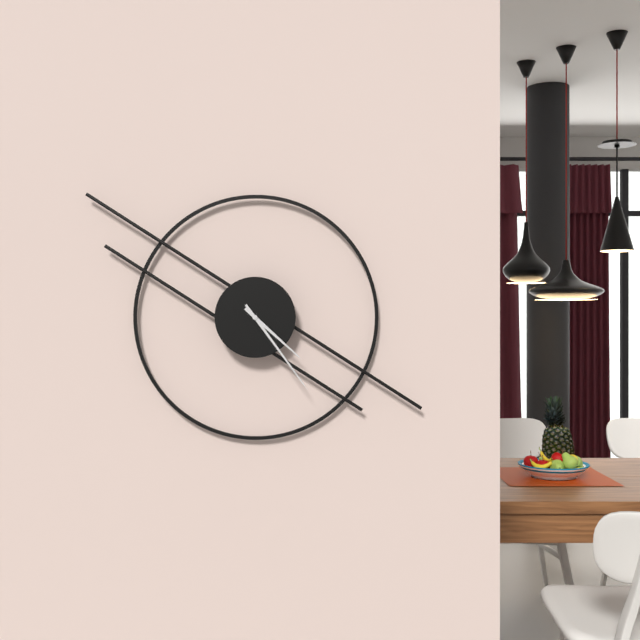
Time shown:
{"hour": 4, "minute": 24}
